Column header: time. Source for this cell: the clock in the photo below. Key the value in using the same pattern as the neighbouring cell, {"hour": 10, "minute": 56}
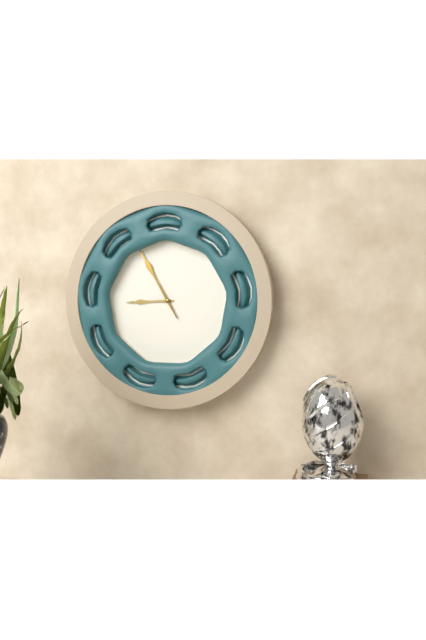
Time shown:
{"hour": 8, "minute": 55}
